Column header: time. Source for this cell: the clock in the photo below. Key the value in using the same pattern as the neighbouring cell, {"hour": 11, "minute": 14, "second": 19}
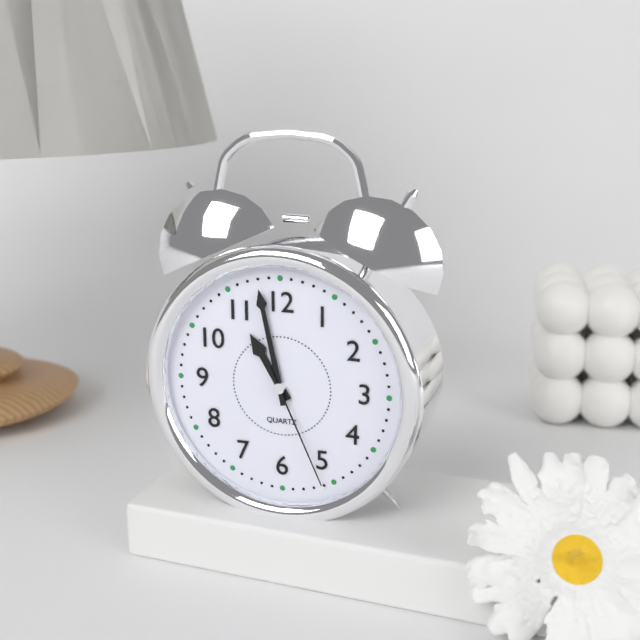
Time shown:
{"hour": 10, "minute": 58, "second": 26}
